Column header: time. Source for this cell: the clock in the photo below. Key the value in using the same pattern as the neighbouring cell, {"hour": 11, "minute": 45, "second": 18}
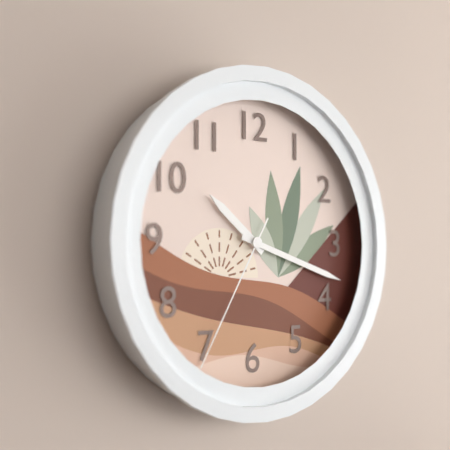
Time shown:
{"hour": 10, "minute": 18, "second": 35}
